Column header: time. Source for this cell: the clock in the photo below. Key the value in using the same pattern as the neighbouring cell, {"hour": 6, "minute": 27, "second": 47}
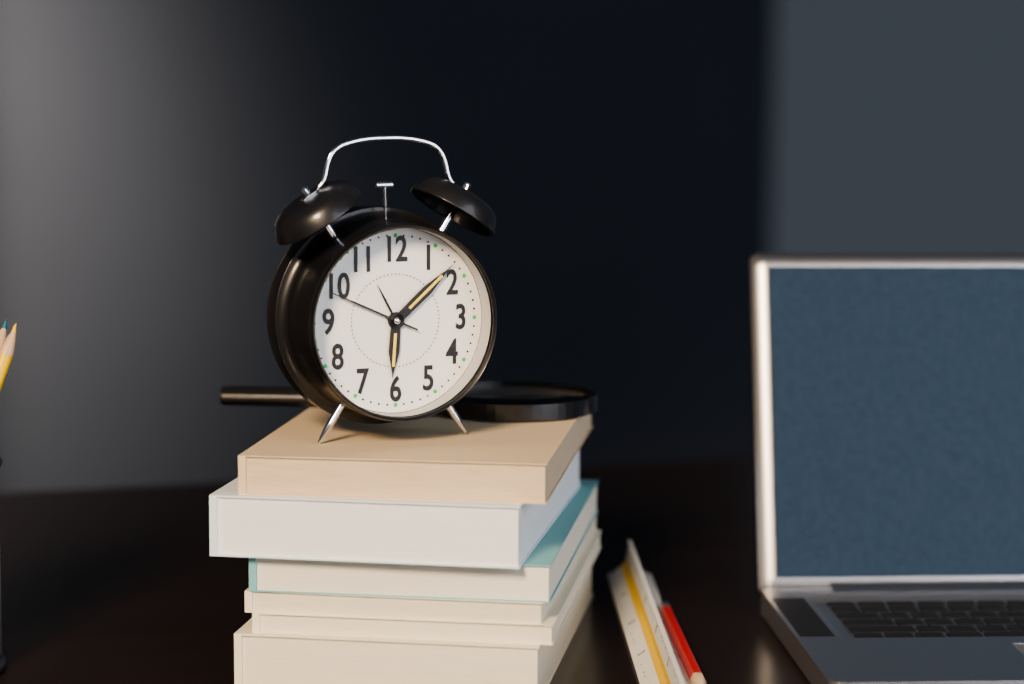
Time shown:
{"hour": 6, "minute": 8, "second": 49}
